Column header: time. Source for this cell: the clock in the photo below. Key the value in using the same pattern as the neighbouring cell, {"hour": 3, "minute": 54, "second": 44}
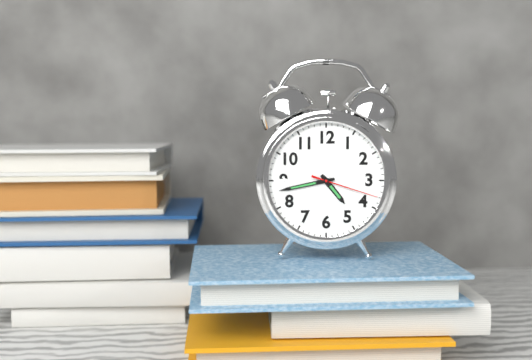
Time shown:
{"hour": 4, "minute": 43, "second": 18}
